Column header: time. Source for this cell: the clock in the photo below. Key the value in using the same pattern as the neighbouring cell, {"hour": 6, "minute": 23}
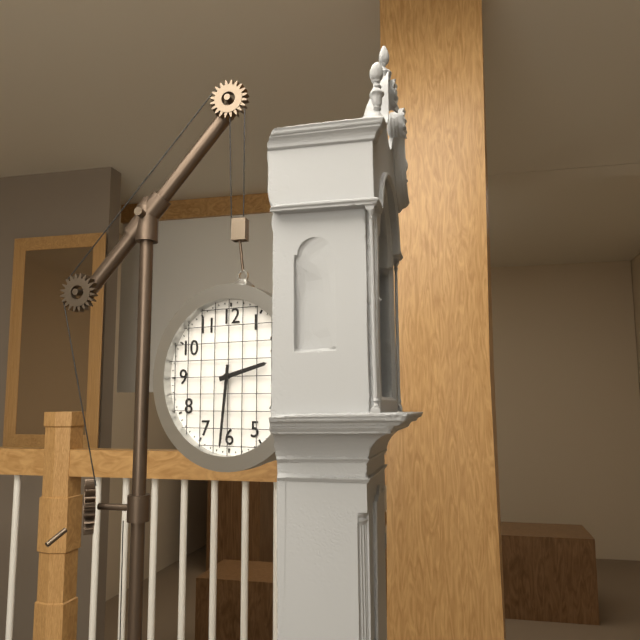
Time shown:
{"hour": 2, "minute": 31}
